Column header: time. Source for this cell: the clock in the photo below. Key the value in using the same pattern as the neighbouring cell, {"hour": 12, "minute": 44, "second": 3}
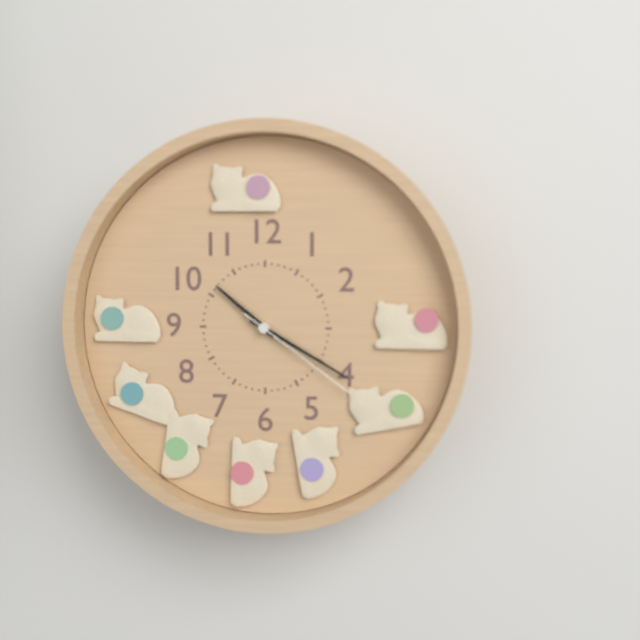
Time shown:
{"hour": 10, "minute": 20, "second": 21}
